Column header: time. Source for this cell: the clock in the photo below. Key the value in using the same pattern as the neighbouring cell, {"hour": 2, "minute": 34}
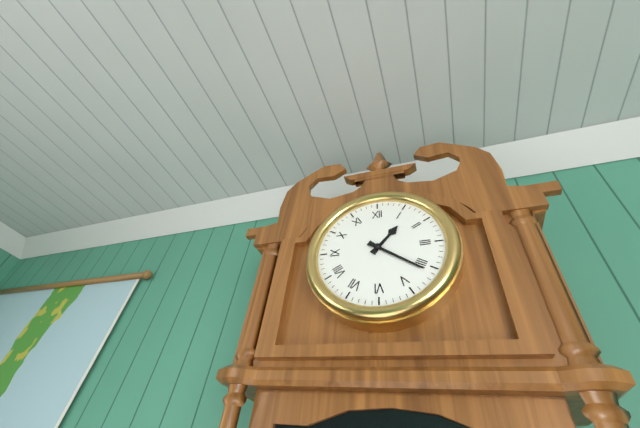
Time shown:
{"hour": 1, "minute": 21}
